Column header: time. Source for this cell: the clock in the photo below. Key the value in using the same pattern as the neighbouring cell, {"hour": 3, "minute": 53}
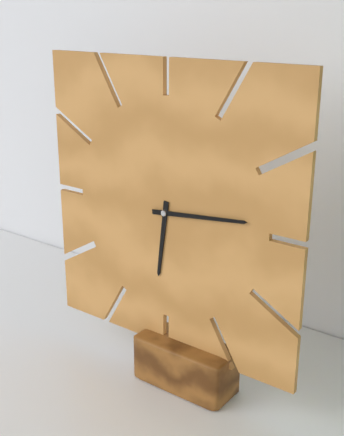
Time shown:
{"hour": 6, "minute": 14}
